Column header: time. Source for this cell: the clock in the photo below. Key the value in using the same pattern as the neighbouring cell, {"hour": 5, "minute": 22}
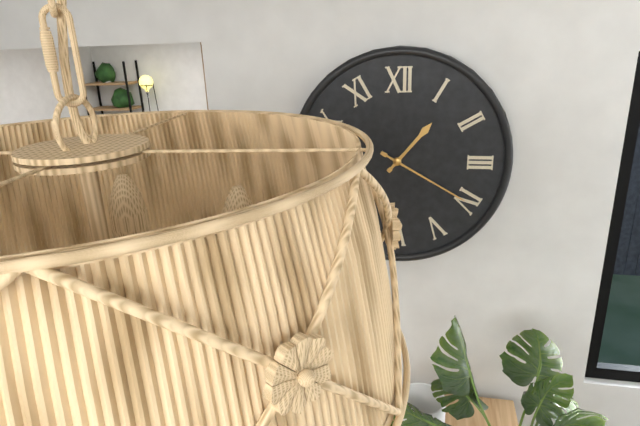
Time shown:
{"hour": 1, "minute": 20}
